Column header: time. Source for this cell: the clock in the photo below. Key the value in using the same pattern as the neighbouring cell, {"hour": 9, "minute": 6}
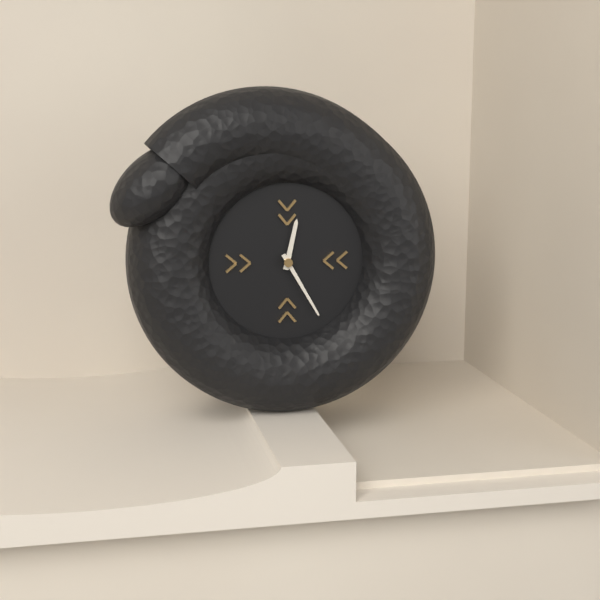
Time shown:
{"hour": 12, "minute": 25}
